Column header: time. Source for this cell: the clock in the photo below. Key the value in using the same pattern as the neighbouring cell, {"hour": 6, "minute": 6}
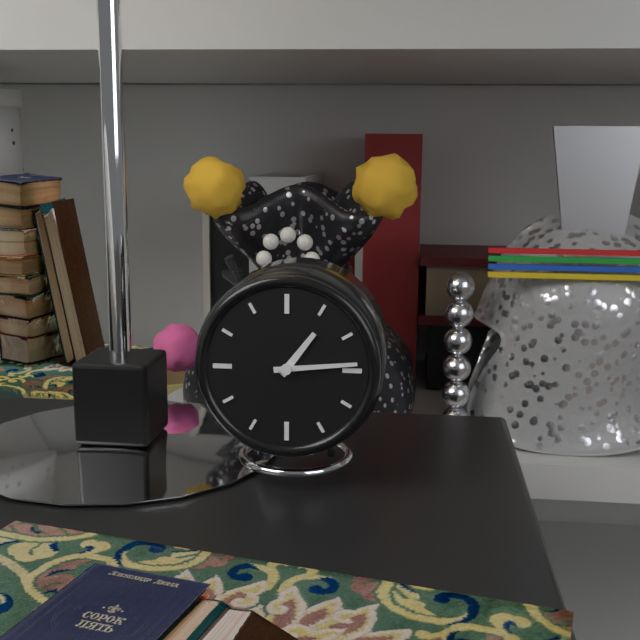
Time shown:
{"hour": 1, "minute": 14}
